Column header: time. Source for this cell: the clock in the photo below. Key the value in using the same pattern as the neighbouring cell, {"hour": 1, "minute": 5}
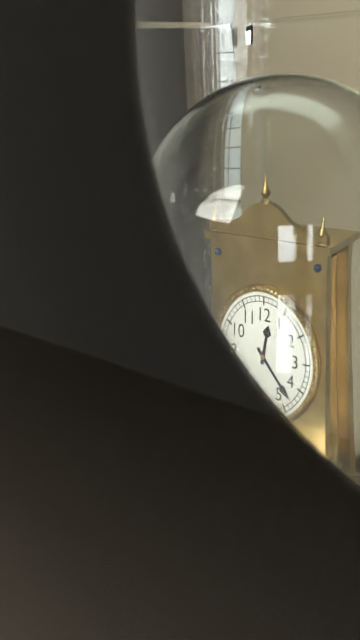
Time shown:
{"hour": 12, "minute": 23}
